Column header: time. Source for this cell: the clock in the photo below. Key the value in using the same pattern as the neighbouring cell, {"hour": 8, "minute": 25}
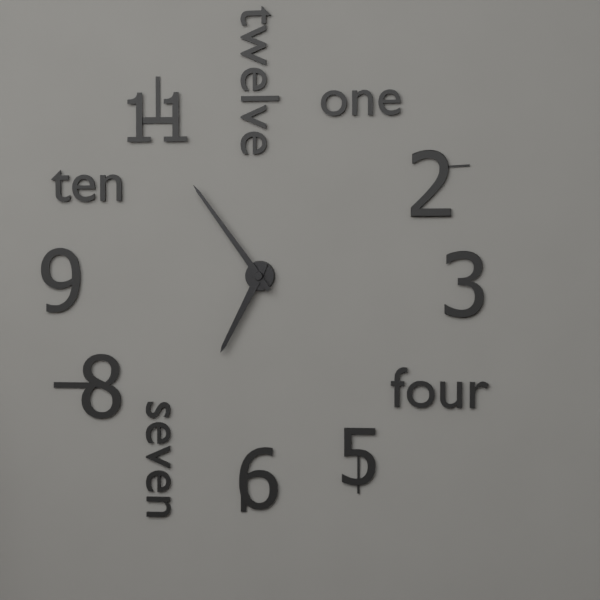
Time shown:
{"hour": 6, "minute": 54}
